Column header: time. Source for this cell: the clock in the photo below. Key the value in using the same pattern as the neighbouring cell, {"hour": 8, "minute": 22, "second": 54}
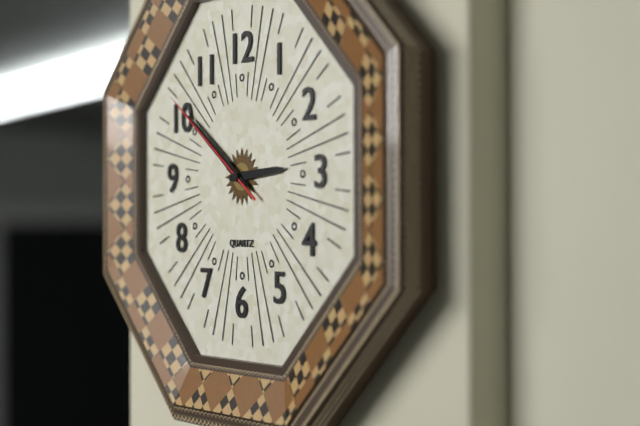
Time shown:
{"hour": 2, "minute": 51, "second": 51}
